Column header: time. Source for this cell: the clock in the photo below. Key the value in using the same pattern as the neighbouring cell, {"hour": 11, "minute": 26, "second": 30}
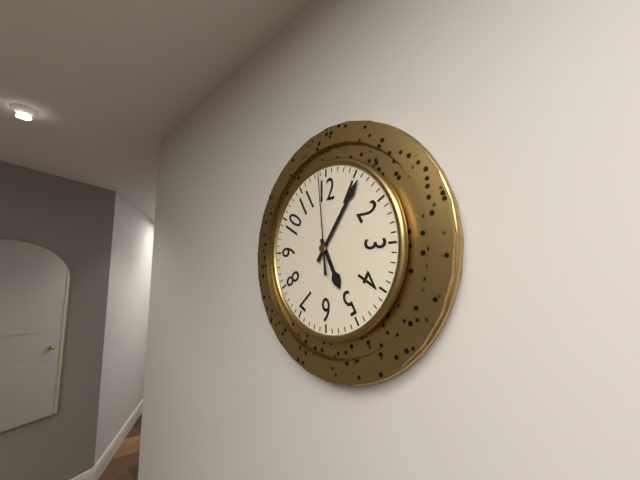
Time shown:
{"hour": 5, "minute": 6, "second": 59}
